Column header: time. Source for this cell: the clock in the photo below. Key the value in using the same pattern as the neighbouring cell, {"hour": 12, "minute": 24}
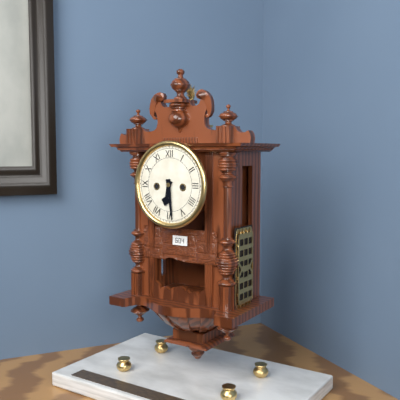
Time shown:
{"hour": 6, "minute": 29}
